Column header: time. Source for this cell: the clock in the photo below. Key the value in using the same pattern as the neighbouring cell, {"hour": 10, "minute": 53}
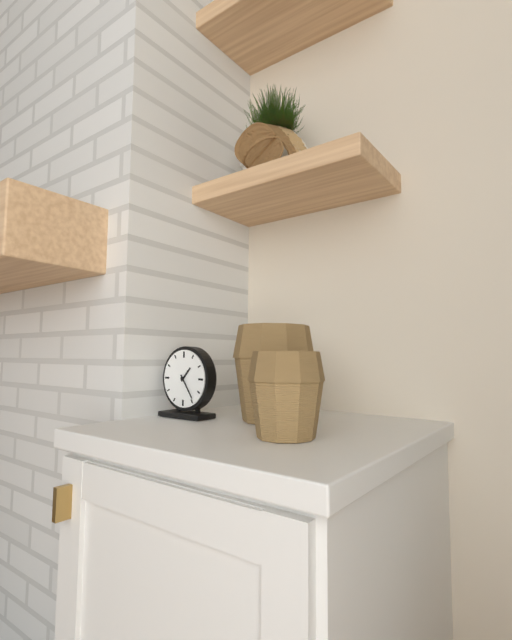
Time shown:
{"hour": 1, "minute": 24}
